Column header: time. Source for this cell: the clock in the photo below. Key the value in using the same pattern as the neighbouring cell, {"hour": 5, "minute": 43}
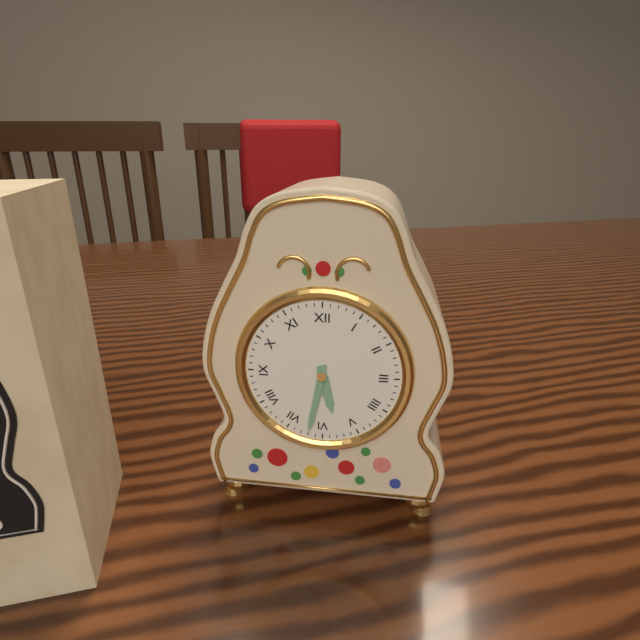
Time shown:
{"hour": 5, "minute": 32}
